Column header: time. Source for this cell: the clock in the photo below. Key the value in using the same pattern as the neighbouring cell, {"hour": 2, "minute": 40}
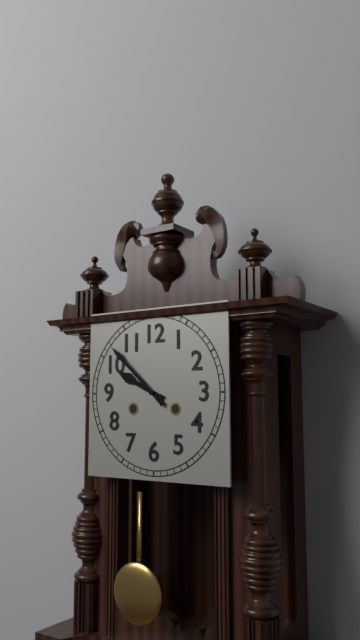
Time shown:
{"hour": 9, "minute": 52}
